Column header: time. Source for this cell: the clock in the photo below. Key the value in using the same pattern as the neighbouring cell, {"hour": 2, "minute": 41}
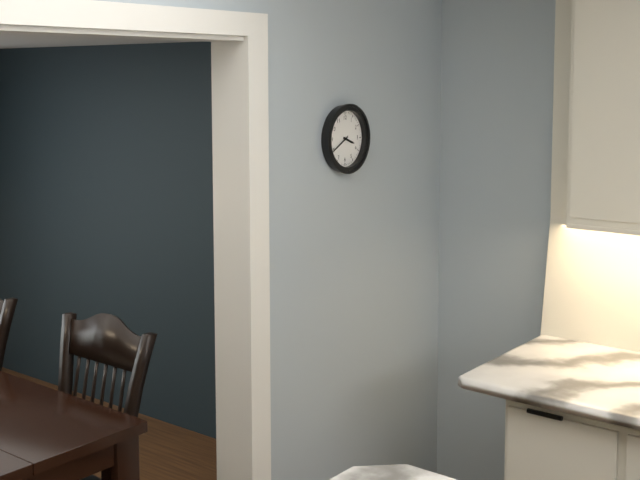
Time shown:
{"hour": 3, "minute": 40}
